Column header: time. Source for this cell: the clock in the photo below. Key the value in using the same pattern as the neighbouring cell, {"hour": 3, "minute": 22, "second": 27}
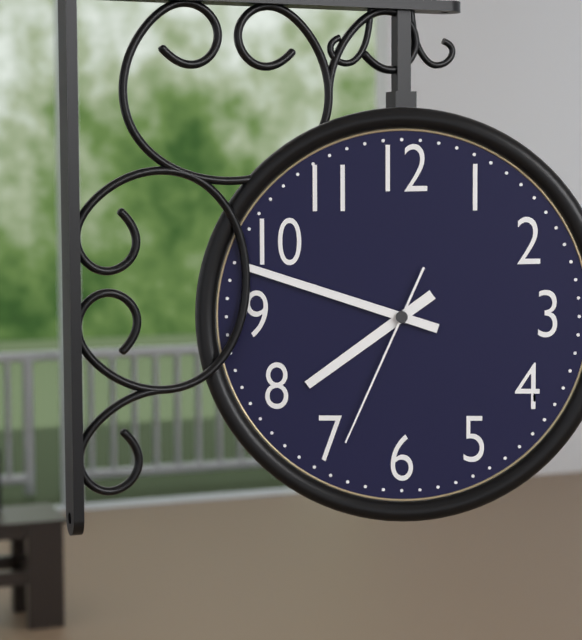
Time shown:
{"hour": 7, "minute": 48, "second": 34}
